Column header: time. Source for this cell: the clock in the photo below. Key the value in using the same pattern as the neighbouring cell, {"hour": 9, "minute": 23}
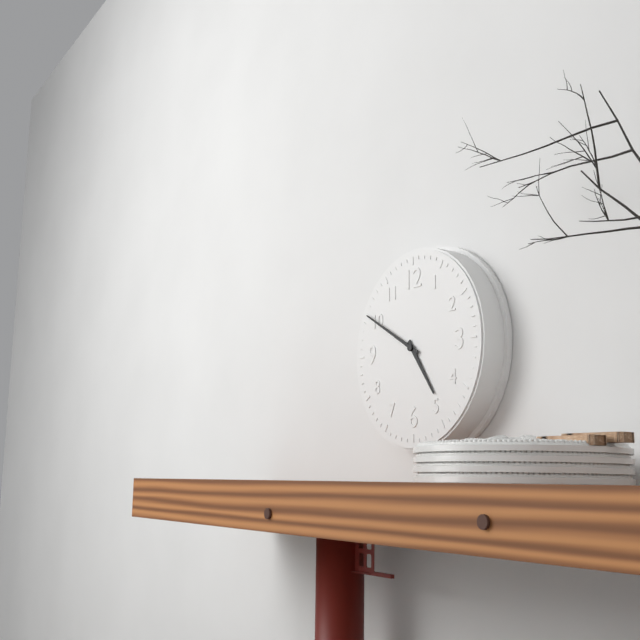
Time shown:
{"hour": 4, "minute": 50}
